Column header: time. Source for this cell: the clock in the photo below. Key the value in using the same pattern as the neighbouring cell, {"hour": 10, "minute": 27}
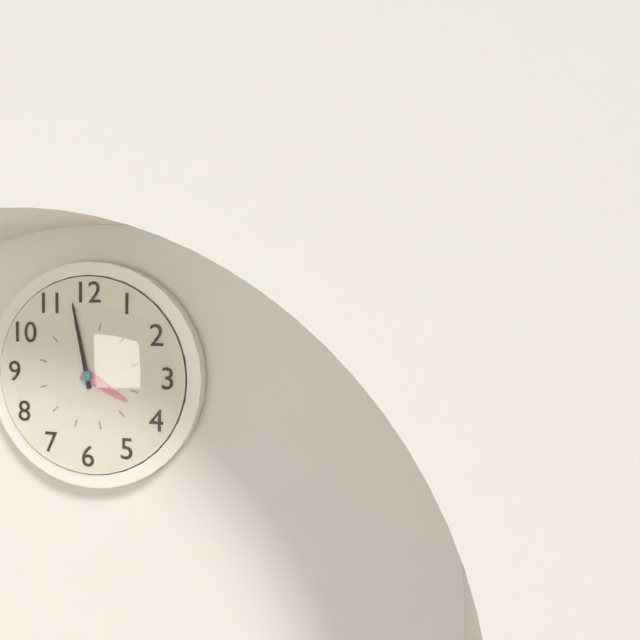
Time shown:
{"hour": 3, "minute": 58}
